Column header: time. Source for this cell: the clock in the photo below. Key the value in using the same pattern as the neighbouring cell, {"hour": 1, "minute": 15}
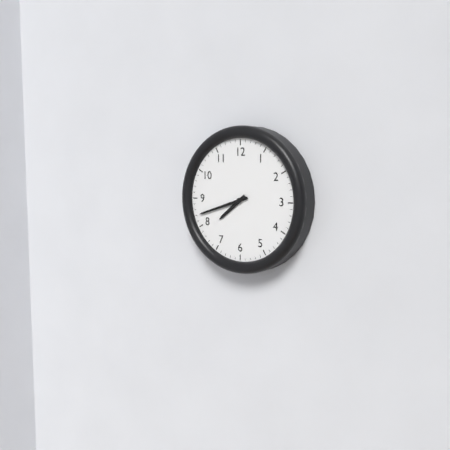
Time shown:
{"hour": 7, "minute": 42}
